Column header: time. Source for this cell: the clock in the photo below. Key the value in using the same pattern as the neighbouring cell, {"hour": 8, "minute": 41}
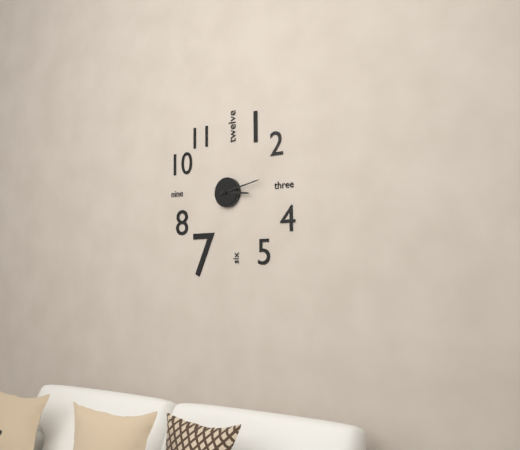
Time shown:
{"hour": 3, "minute": 13}
